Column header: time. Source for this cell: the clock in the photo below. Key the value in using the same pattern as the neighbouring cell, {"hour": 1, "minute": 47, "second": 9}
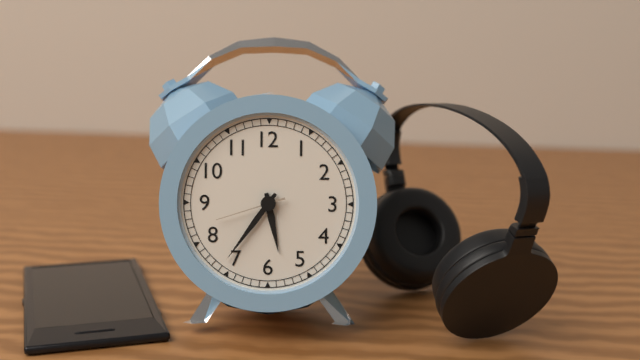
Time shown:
{"hour": 5, "minute": 36, "second": 42}
